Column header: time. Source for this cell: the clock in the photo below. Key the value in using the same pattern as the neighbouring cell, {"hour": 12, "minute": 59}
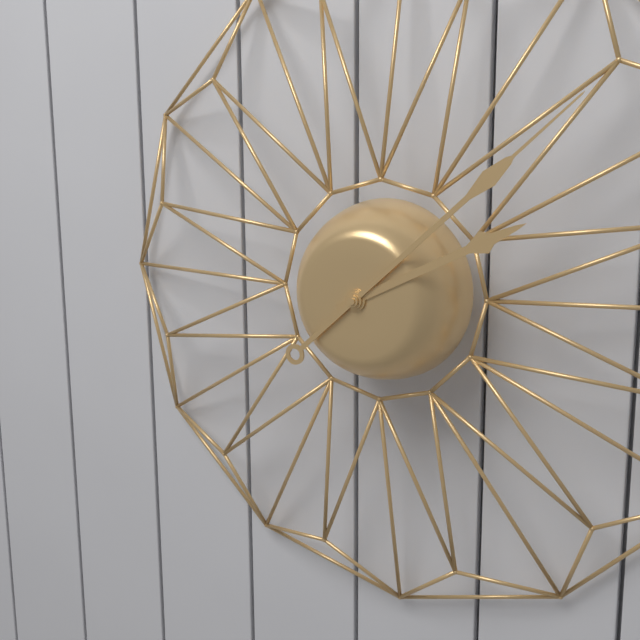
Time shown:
{"hour": 2, "minute": 8}
